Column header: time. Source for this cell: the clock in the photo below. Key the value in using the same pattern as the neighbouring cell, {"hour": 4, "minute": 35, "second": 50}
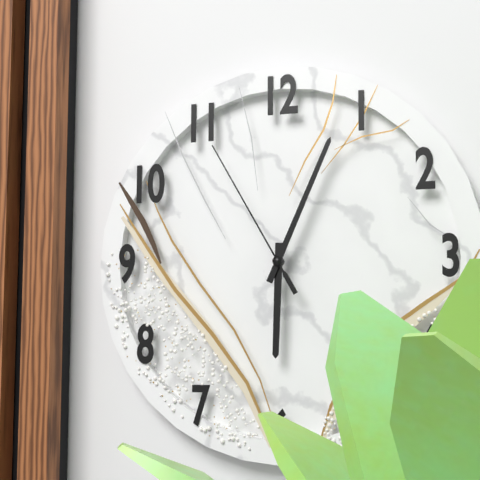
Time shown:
{"hour": 6, "minute": 4, "second": 55}
